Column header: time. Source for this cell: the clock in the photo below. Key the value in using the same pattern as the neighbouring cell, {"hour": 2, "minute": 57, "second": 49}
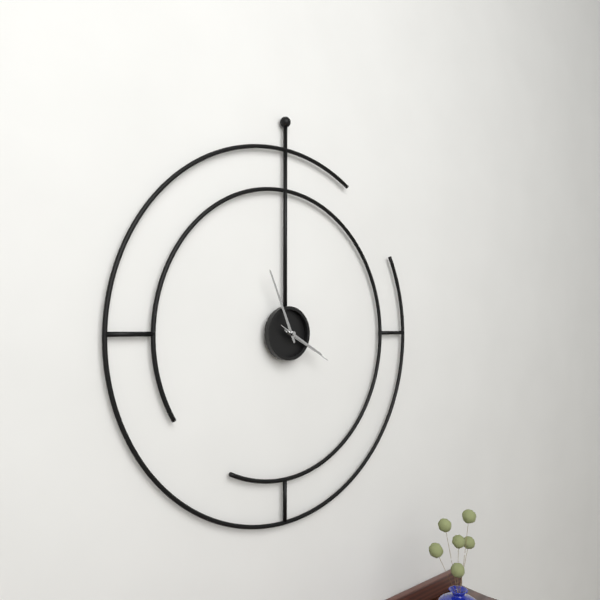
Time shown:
{"hour": 3, "minute": 56, "second": 20}
